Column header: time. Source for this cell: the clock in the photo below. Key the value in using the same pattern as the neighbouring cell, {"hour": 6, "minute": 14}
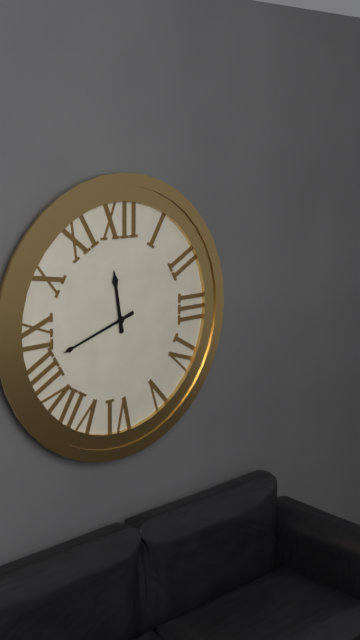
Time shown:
{"hour": 11, "minute": 42}
